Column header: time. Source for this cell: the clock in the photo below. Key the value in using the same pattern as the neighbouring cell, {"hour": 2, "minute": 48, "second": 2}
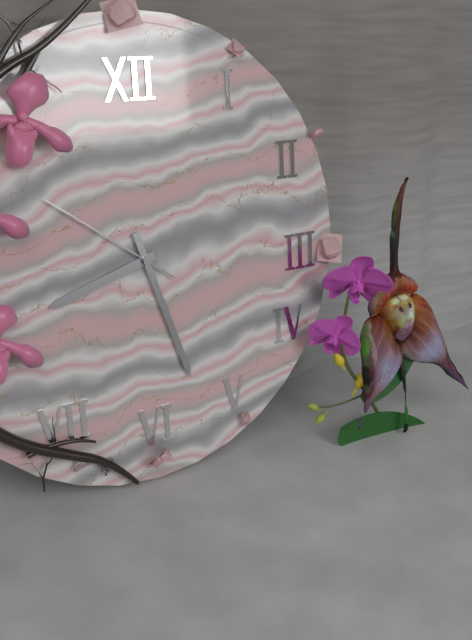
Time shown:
{"hour": 8, "minute": 27, "second": 51}
